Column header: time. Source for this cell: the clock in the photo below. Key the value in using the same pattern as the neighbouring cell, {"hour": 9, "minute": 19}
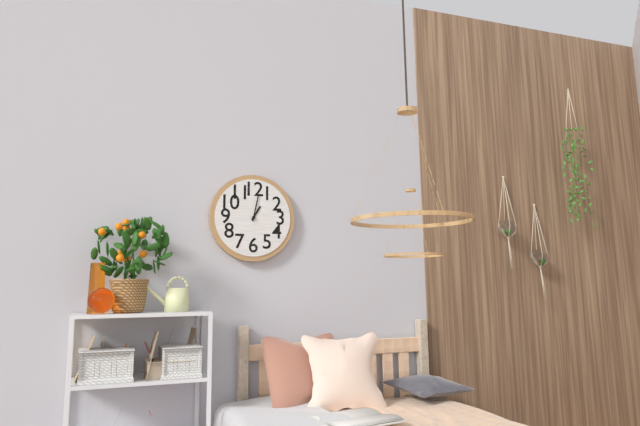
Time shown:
{"hour": 1, "minute": 2}
